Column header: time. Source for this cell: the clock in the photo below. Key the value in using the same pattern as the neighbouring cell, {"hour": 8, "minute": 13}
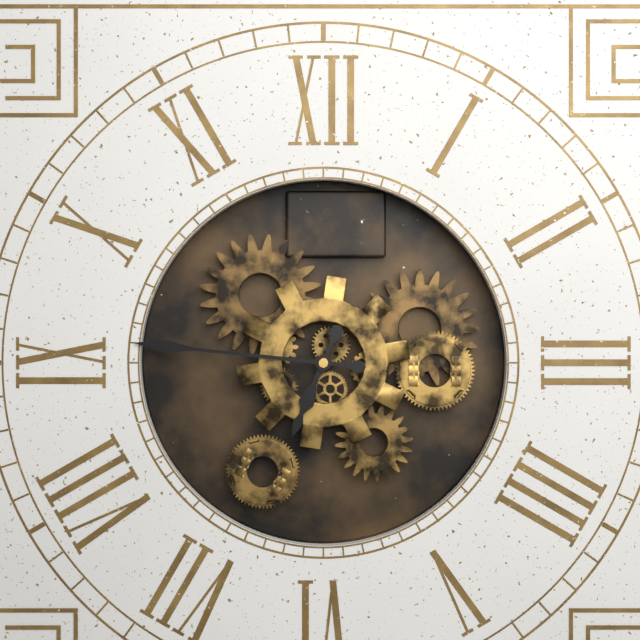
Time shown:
{"hour": 6, "minute": 46}
